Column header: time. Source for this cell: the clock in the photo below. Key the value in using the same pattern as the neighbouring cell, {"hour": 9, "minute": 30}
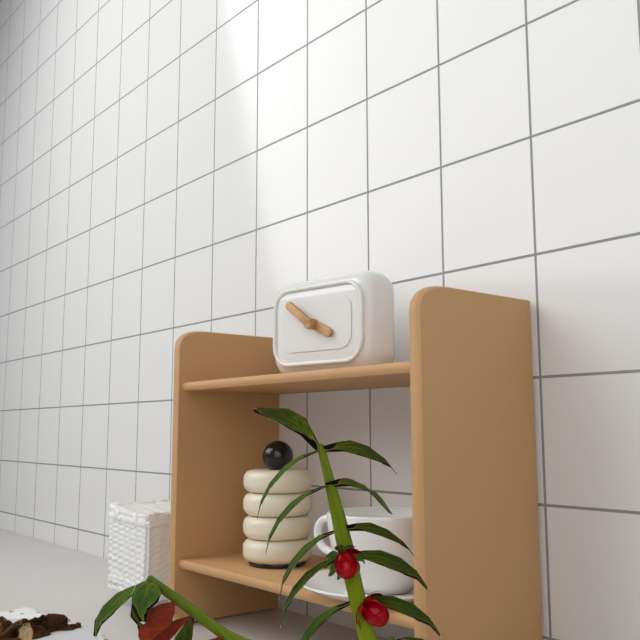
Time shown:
{"hour": 3, "minute": 51}
